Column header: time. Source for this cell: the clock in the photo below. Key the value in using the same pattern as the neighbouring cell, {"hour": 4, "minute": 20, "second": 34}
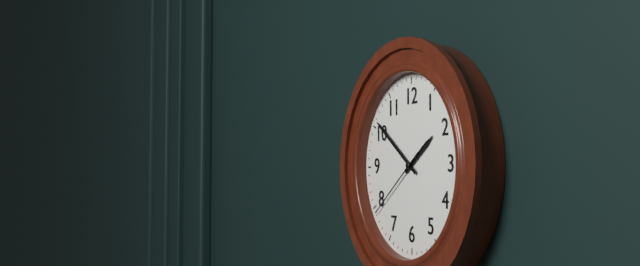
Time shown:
{"hour": 1, "minute": 51, "second": 39}
